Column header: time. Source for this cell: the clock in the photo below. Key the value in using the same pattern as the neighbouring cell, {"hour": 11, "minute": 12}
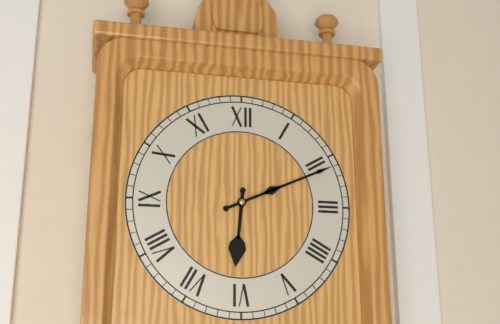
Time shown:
{"hour": 6, "minute": 11}
